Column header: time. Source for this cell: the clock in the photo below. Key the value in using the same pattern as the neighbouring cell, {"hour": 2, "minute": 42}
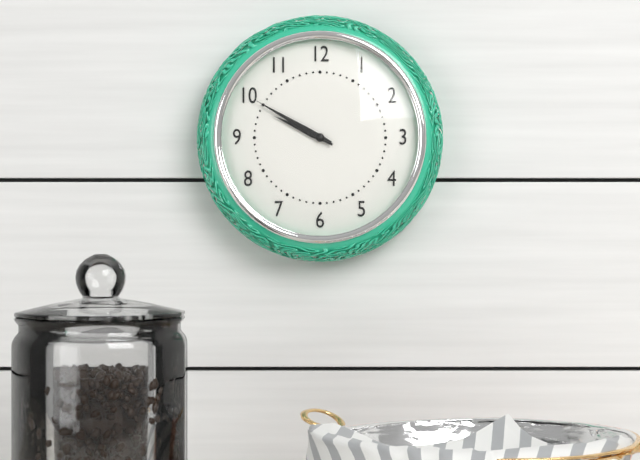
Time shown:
{"hour": 9, "minute": 50}
